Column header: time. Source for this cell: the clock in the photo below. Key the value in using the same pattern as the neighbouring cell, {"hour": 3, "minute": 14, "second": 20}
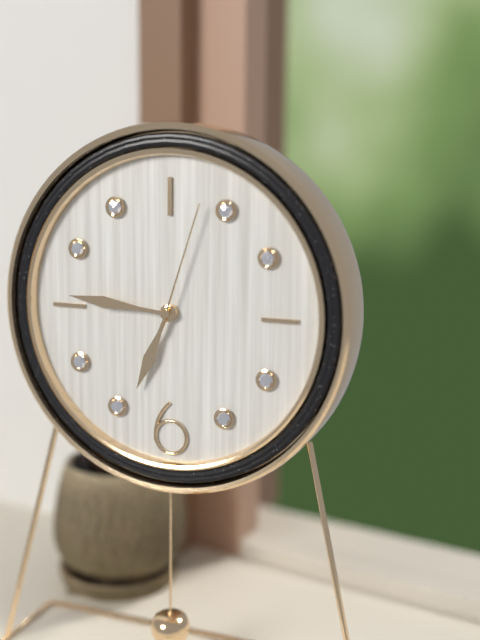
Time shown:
{"hour": 6, "minute": 46, "second": 3}
